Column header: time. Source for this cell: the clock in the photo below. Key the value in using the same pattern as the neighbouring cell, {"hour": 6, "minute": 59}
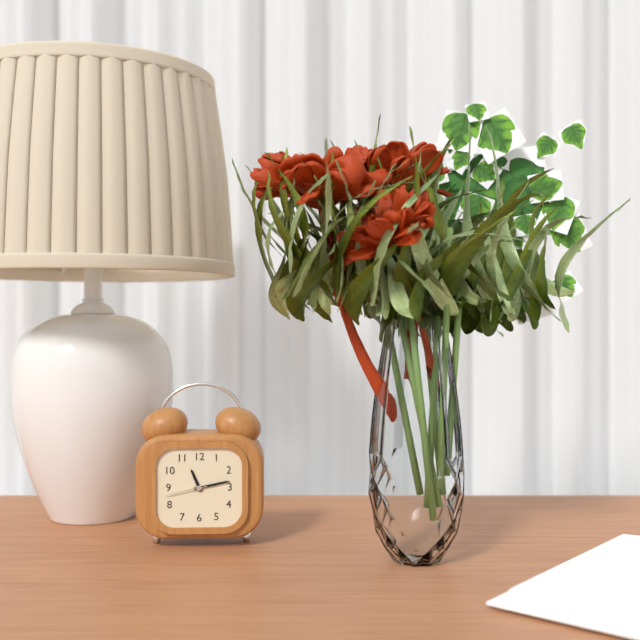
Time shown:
{"hour": 11, "minute": 13}
